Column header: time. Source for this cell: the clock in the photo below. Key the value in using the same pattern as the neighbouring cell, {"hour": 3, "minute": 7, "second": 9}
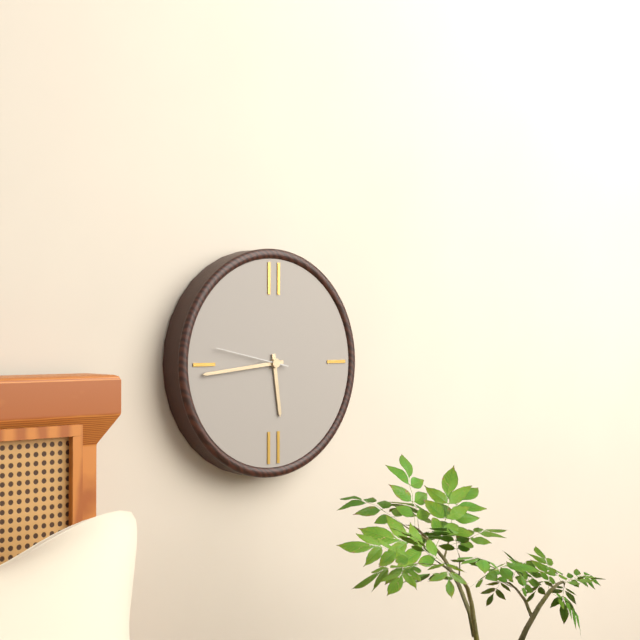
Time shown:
{"hour": 5, "minute": 44, "second": 47}
